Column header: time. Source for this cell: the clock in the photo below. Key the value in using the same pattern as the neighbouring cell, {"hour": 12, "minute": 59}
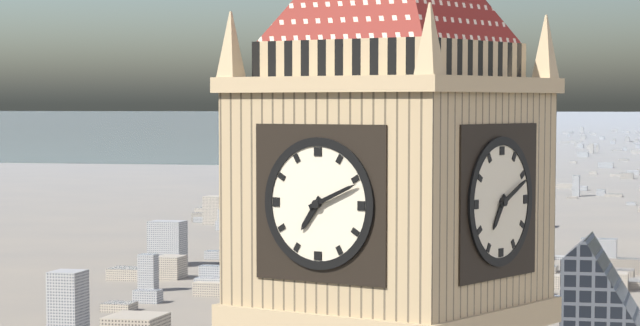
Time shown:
{"hour": 7, "minute": 11}
